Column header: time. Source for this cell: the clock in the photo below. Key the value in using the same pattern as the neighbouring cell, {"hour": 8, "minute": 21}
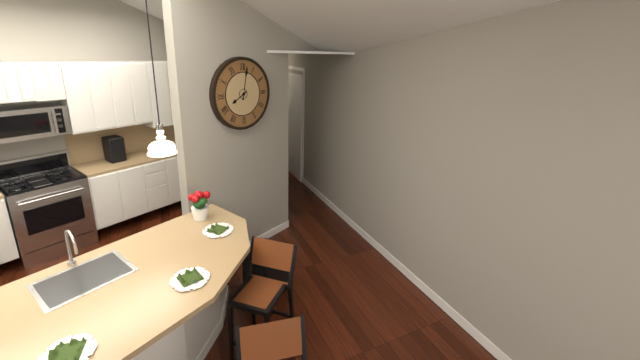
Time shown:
{"hour": 8, "minute": 2}
